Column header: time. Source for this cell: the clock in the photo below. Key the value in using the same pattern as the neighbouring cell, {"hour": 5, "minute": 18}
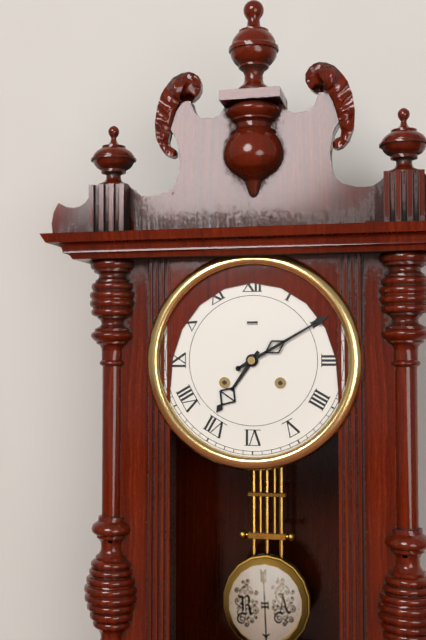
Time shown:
{"hour": 7, "minute": 10}
